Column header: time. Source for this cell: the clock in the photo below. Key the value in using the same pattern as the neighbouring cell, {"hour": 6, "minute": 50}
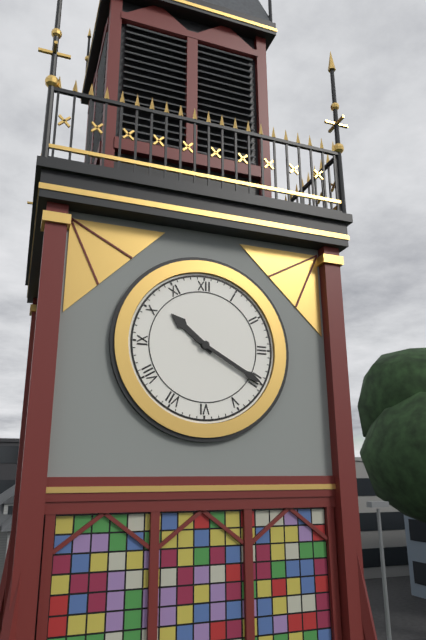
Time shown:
{"hour": 10, "minute": 20}
